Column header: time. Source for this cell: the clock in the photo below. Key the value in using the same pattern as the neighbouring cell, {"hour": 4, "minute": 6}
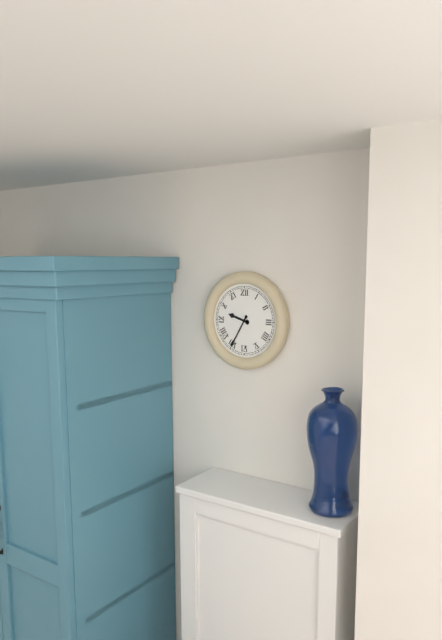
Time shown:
{"hour": 9, "minute": 35}
